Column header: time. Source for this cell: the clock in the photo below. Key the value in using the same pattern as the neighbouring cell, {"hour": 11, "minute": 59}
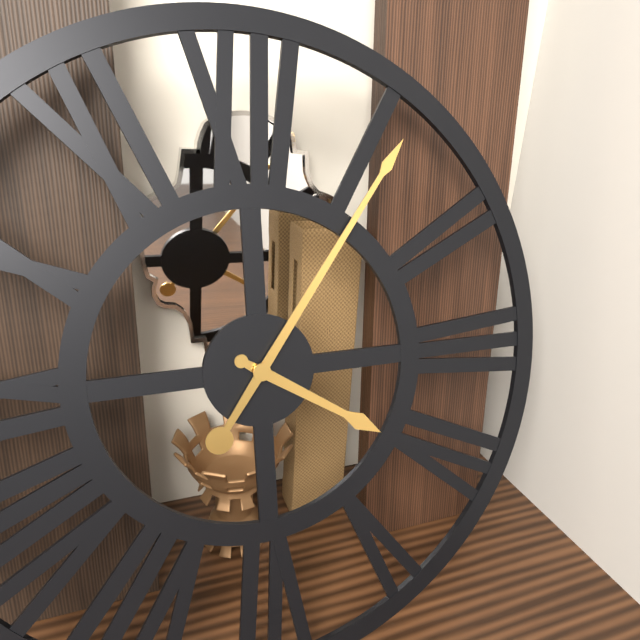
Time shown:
{"hour": 4, "minute": 6}
